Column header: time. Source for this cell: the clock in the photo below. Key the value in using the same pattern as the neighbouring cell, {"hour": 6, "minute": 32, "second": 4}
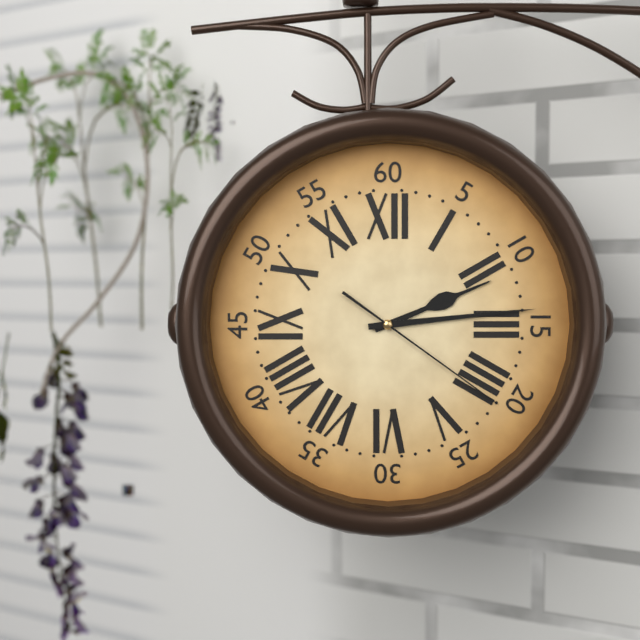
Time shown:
{"hour": 2, "minute": 14, "second": 21}
